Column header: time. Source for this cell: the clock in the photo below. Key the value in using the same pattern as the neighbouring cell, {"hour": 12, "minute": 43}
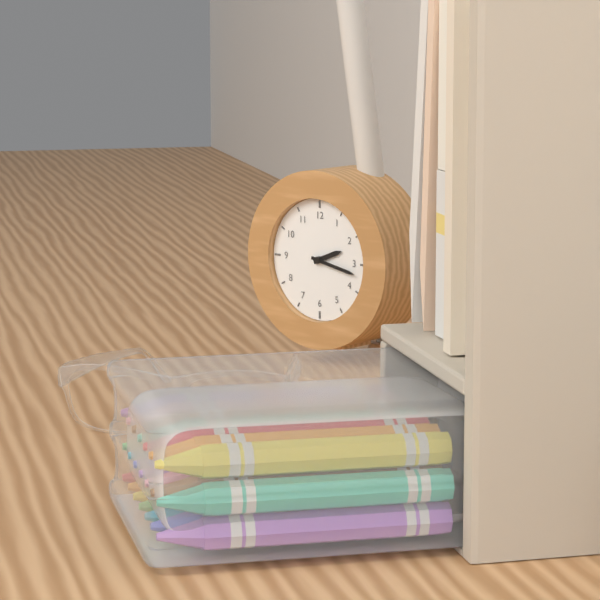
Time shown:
{"hour": 2, "minute": 17}
